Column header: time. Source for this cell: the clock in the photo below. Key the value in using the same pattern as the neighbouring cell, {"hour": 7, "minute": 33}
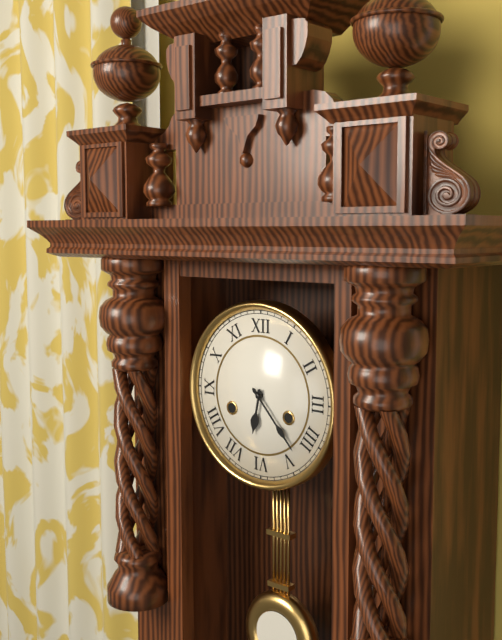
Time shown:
{"hour": 6, "minute": 23}
